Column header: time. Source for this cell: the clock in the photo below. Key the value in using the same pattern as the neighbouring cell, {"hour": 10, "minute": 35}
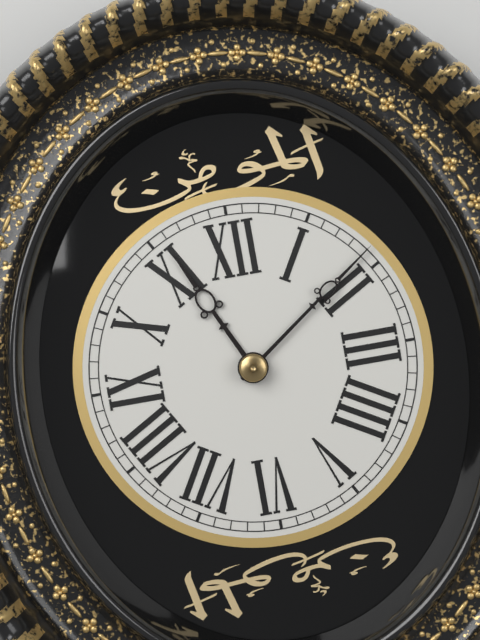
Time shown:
{"hour": 11, "minute": 9}
